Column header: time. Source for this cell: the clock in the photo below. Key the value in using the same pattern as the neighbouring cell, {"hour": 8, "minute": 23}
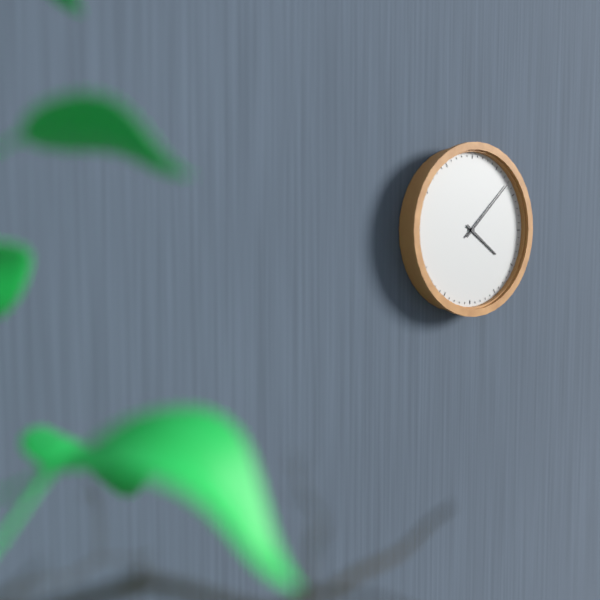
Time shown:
{"hour": 4, "minute": 8}
